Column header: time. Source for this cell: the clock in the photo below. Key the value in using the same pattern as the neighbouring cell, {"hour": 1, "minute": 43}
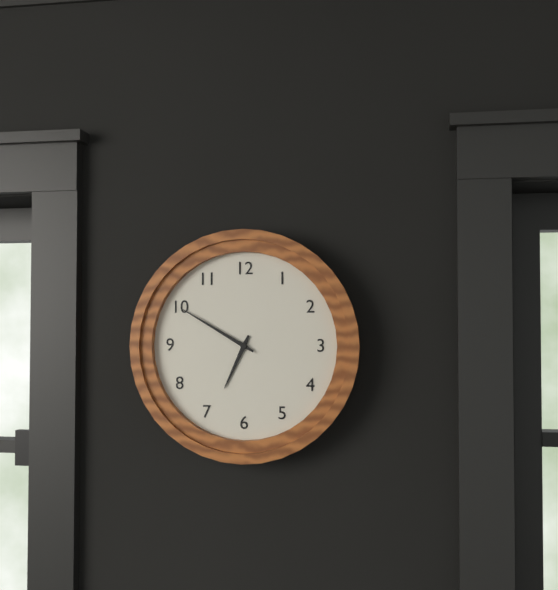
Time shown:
{"hour": 6, "minute": 50}
